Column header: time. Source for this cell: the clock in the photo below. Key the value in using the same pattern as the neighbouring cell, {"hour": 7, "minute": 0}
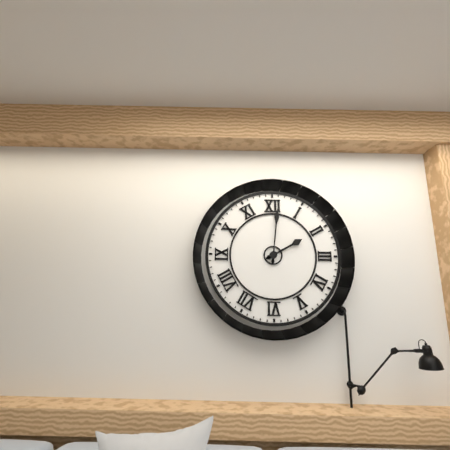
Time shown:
{"hour": 2, "minute": 1}
